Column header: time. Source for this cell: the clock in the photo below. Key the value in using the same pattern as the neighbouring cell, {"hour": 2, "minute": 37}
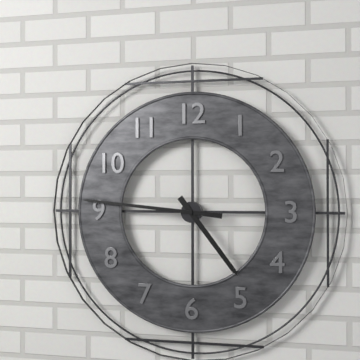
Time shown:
{"hour": 4, "minute": 46}
